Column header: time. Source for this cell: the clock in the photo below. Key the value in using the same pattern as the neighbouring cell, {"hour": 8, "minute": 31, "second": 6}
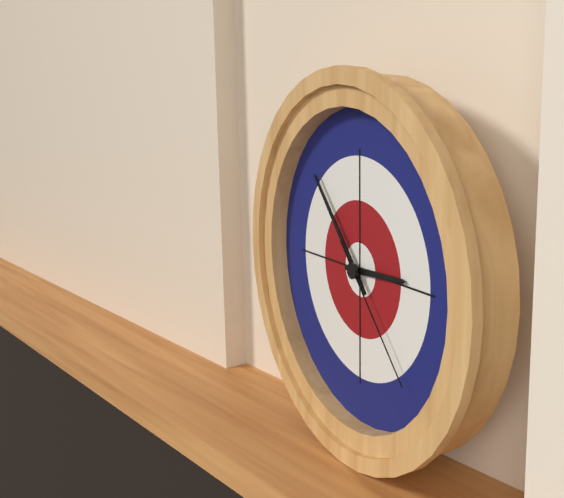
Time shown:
{"hour": 2, "minute": 53, "second": 23}
